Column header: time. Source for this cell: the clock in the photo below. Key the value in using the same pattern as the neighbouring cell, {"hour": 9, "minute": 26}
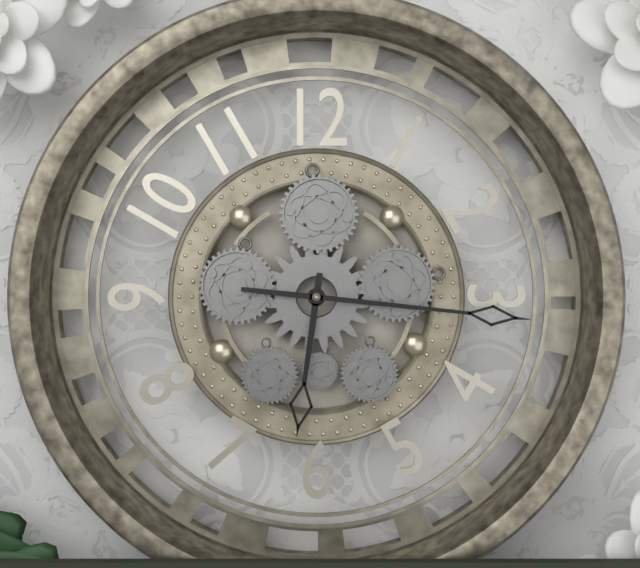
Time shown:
{"hour": 6, "minute": 16}
